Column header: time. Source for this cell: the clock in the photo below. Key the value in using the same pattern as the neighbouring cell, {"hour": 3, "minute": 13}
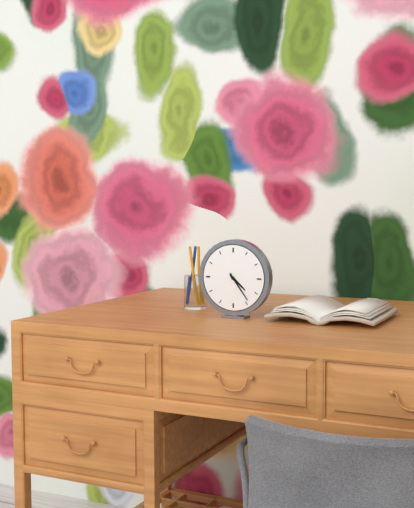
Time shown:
{"hour": 4, "minute": 24}
